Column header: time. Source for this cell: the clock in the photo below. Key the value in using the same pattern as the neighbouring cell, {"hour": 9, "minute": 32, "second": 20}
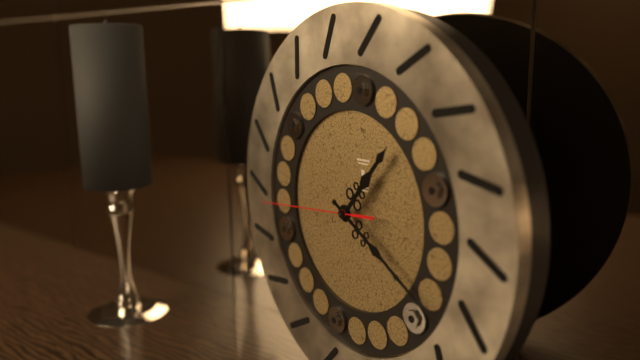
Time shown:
{"hour": 1, "minute": 20, "second": 44}
